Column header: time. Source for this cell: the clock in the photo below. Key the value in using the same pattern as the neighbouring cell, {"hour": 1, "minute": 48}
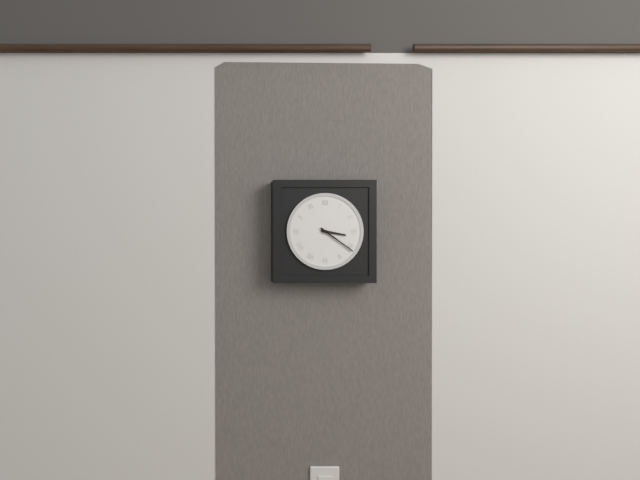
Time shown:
{"hour": 3, "minute": 21}
